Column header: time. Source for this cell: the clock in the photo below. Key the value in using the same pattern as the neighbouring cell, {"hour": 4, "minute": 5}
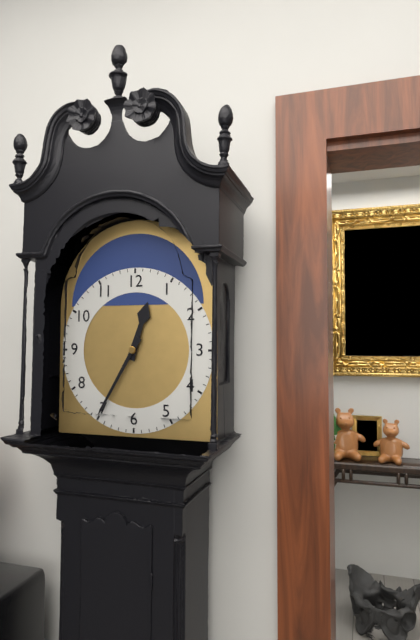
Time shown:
{"hour": 12, "minute": 35}
